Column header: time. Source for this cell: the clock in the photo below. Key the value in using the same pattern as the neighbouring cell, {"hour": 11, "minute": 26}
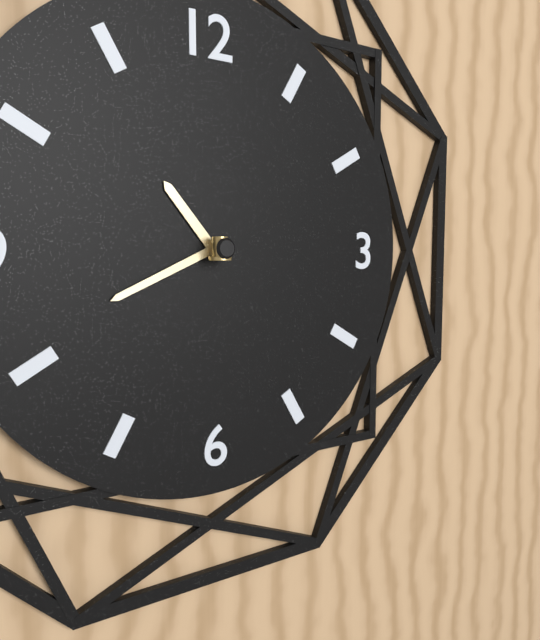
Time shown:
{"hour": 10, "minute": 41}
